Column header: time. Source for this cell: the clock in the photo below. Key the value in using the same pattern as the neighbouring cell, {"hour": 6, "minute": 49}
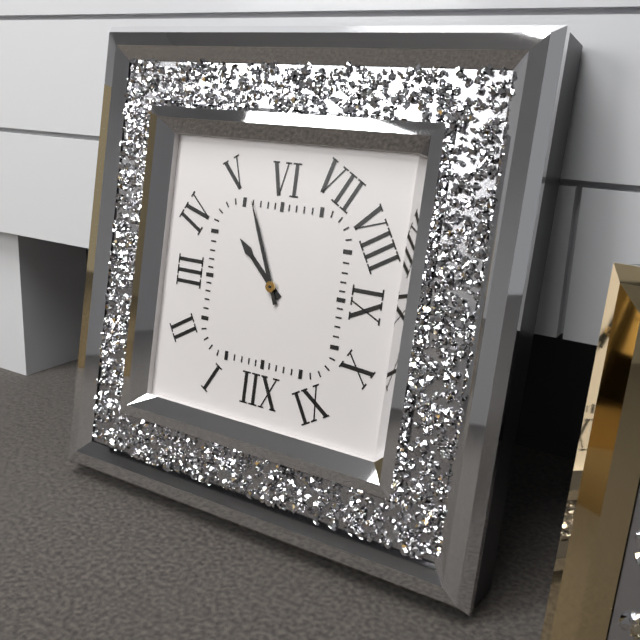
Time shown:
{"hour": 4, "minute": 26}
